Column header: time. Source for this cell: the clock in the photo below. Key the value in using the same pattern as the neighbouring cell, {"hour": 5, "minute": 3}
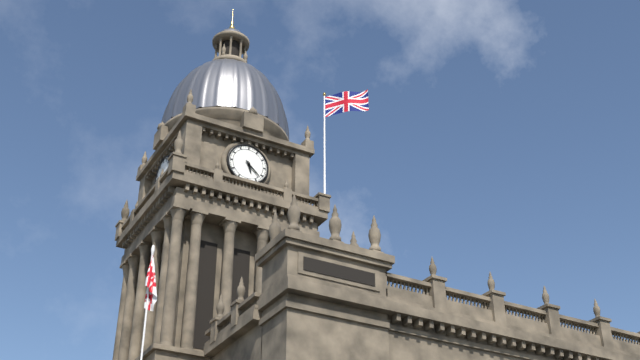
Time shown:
{"hour": 5, "minute": 22}
